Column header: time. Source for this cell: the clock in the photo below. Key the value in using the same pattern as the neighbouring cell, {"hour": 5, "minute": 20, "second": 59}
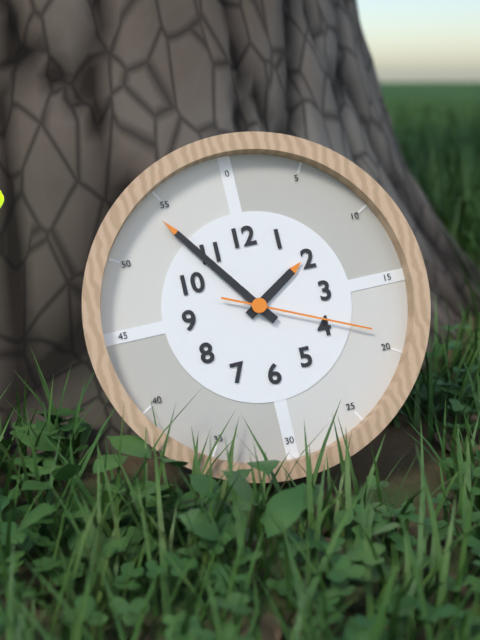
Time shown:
{"hour": 1, "minute": 54, "second": 19}
